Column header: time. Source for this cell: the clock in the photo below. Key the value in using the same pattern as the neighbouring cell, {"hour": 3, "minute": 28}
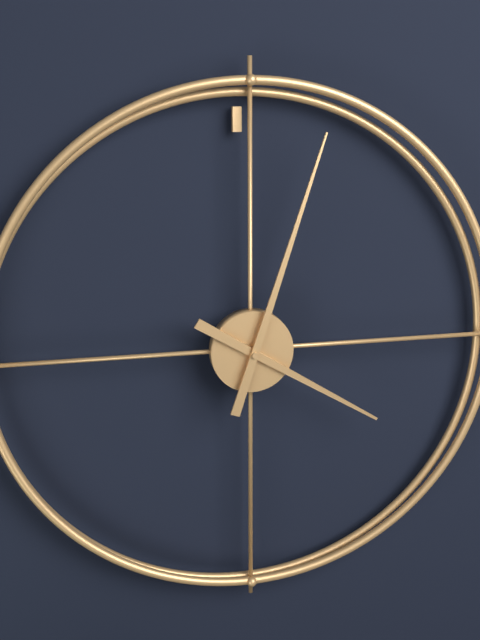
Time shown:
{"hour": 4, "minute": 3}
